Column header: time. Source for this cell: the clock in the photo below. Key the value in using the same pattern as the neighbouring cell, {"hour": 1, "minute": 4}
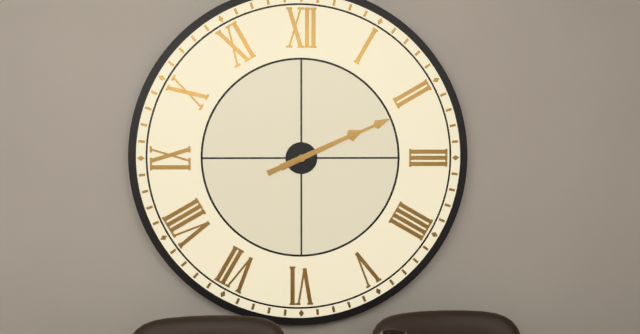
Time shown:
{"hour": 2, "minute": 11}
